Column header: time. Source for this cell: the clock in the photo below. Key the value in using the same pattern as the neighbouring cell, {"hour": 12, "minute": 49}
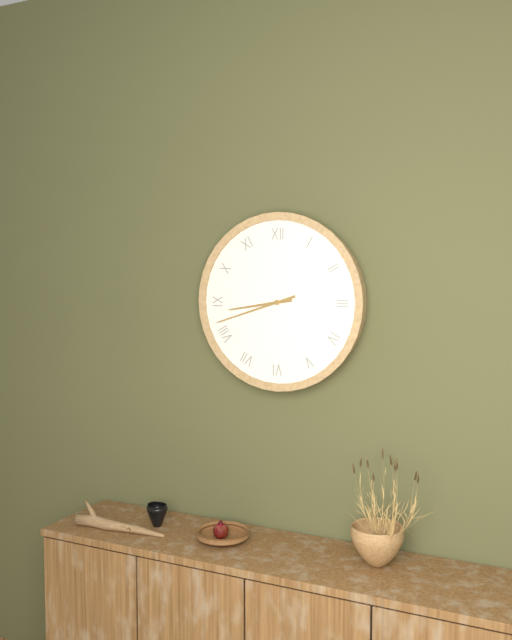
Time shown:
{"hour": 8, "minute": 42}
